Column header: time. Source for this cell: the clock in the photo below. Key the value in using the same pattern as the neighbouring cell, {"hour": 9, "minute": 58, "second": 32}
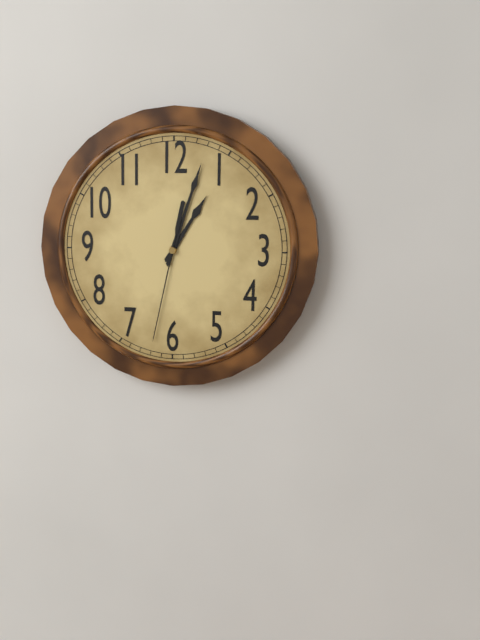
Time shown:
{"hour": 1, "minute": 3, "second": 32}
